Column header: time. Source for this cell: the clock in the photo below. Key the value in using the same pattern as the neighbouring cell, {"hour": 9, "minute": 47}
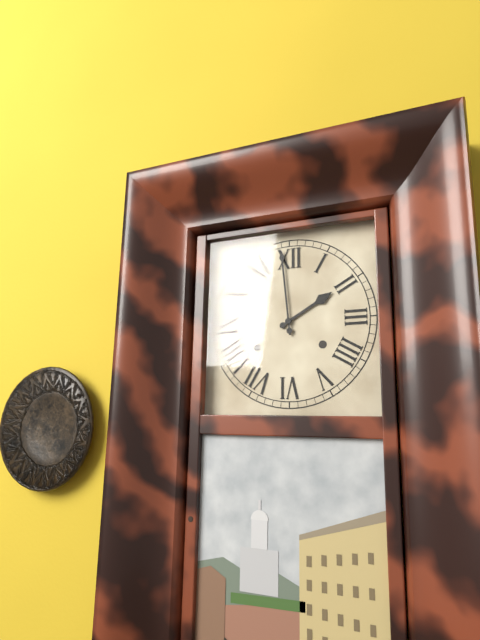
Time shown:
{"hour": 1, "minute": 59}
